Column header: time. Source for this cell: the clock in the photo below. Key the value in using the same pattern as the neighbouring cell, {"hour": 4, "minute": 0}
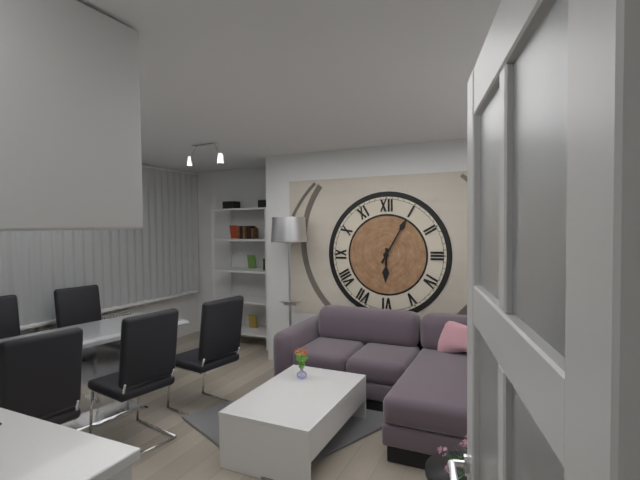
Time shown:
{"hour": 6, "minute": 5}
